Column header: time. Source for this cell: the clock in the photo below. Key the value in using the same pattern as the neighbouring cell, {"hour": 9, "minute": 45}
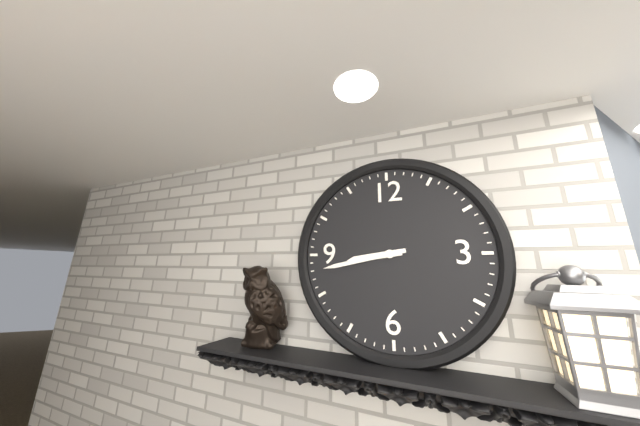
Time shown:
{"hour": 8, "minute": 43}
